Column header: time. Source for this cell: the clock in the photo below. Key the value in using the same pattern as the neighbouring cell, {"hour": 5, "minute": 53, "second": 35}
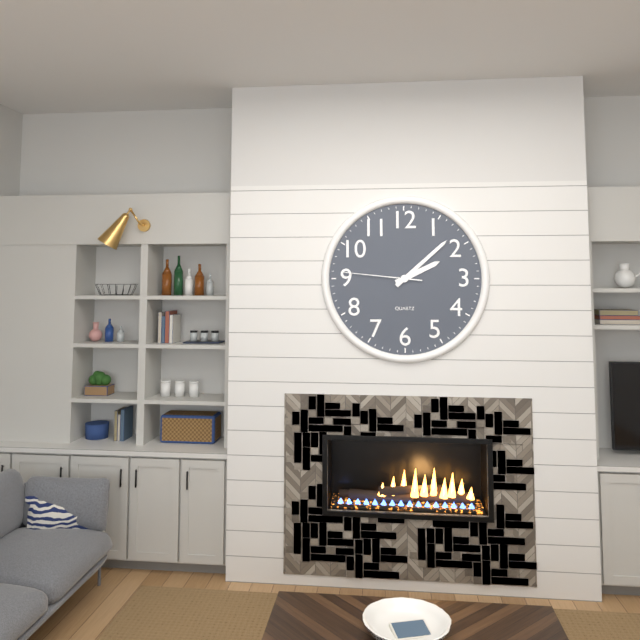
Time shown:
{"hour": 2, "minute": 8, "second": 46}
